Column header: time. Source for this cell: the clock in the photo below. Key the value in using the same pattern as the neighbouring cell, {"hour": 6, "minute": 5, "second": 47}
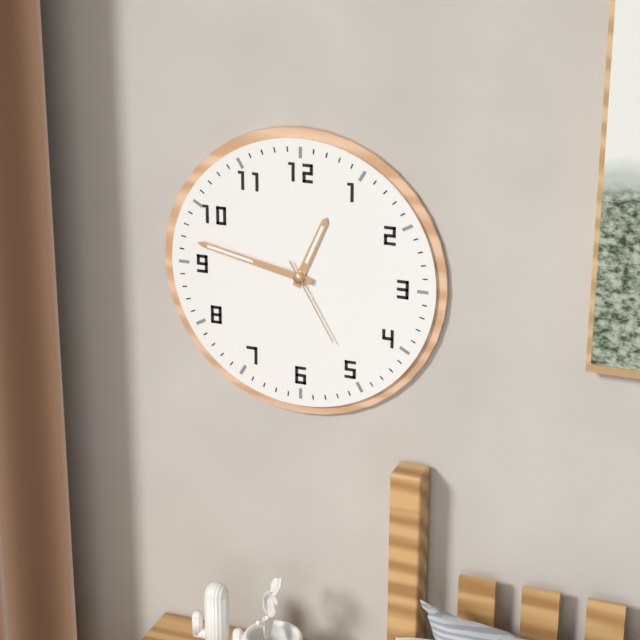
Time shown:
{"hour": 12, "minute": 47, "second": 25}
